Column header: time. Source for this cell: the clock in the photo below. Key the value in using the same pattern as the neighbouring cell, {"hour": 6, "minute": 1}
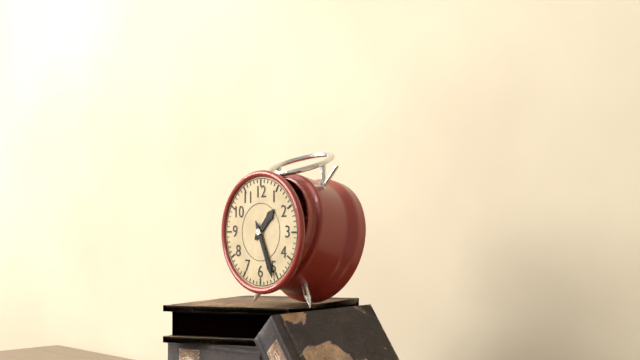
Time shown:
{"hour": 1, "minute": 26}
